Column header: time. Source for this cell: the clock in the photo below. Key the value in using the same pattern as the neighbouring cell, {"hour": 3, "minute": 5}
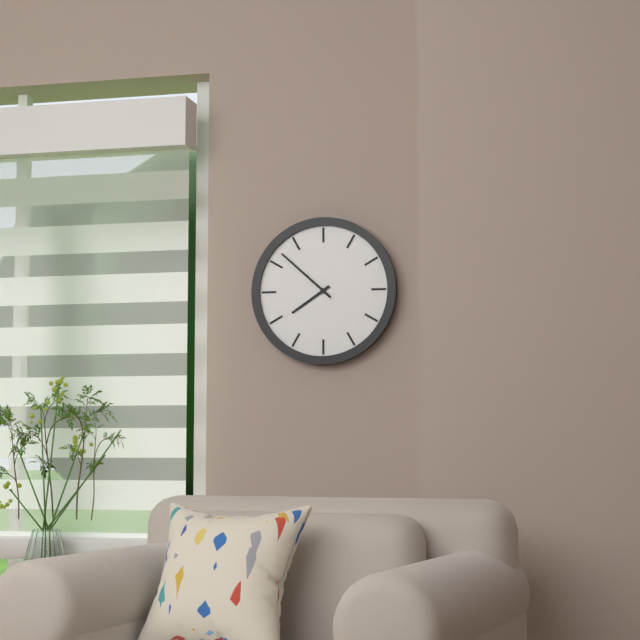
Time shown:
{"hour": 7, "minute": 52}
